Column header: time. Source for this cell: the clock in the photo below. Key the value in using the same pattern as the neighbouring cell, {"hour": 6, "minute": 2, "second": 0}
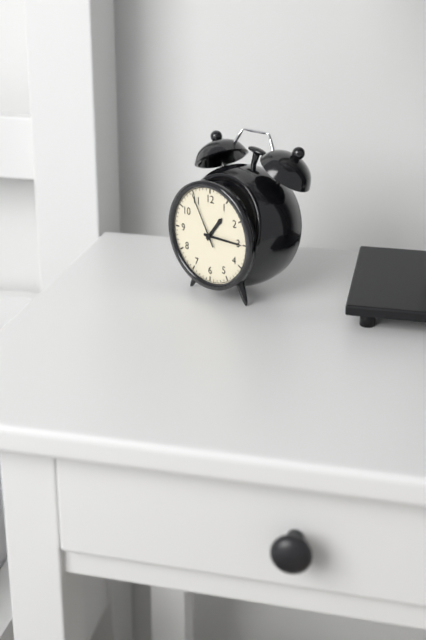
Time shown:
{"hour": 1, "minute": 15, "second": 55}
